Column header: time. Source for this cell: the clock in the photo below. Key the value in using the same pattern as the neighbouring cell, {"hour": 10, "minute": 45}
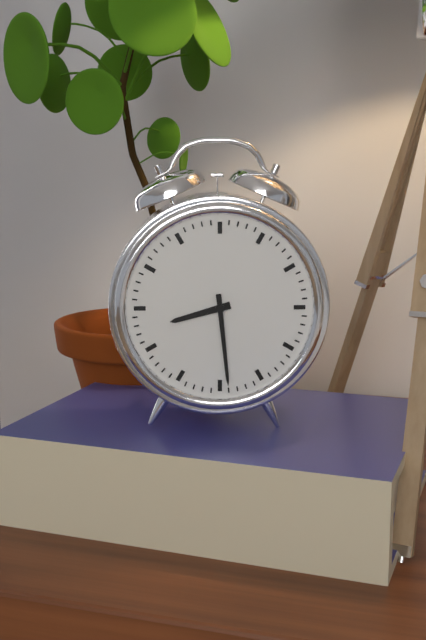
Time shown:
{"hour": 8, "minute": 29}
